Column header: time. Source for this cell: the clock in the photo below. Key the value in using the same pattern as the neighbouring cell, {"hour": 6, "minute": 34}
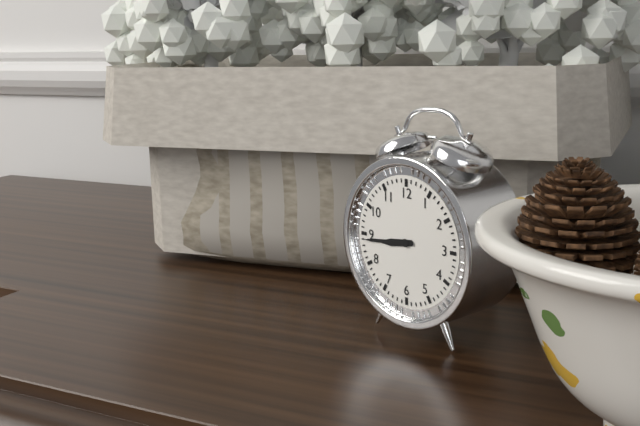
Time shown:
{"hour": 8, "minute": 44}
